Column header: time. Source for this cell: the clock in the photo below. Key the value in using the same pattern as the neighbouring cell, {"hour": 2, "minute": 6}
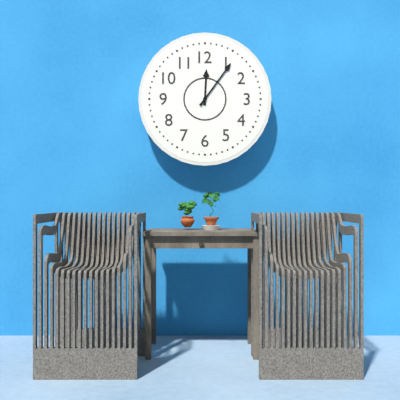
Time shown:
{"hour": 12, "minute": 6}
